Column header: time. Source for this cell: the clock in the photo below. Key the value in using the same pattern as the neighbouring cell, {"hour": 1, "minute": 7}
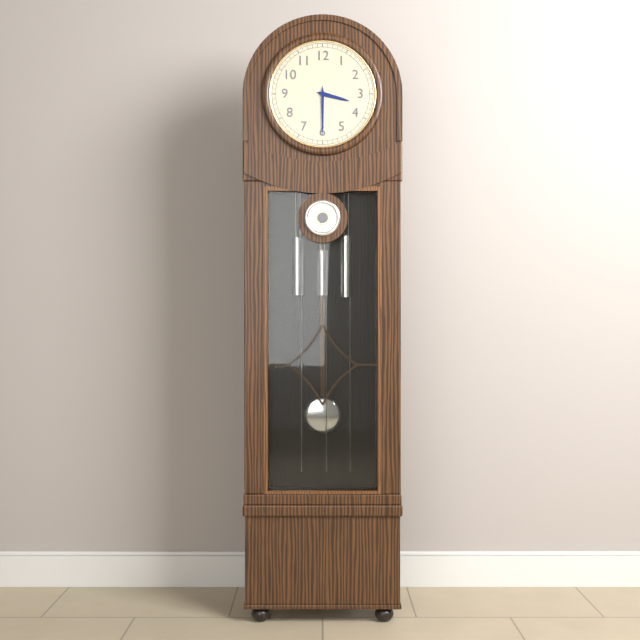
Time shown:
{"hour": 3, "minute": 30}
